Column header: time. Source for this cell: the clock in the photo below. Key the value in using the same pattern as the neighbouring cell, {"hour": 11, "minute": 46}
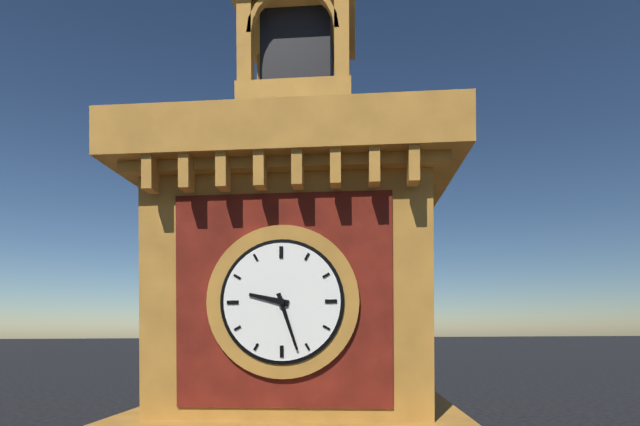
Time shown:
{"hour": 9, "minute": 27}
